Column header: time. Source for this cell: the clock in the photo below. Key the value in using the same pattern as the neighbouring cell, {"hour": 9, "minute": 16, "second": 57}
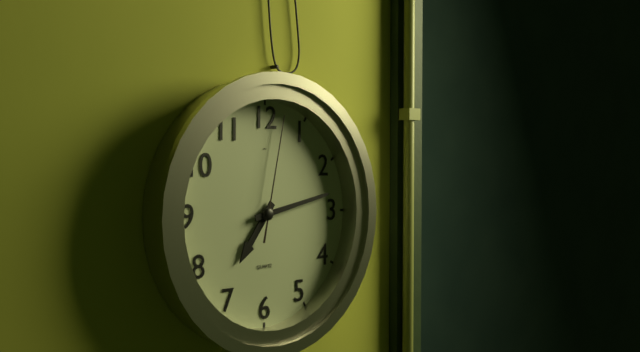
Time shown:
{"hour": 7, "minute": 13, "second": 2}
